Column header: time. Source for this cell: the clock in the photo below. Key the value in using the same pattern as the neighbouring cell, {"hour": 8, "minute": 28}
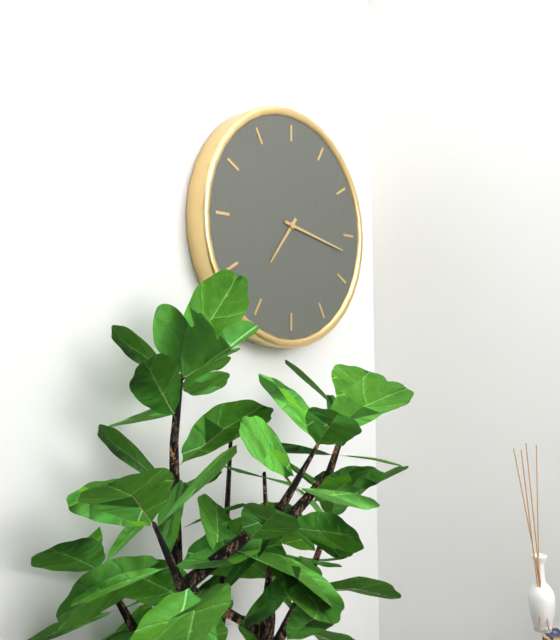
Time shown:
{"hour": 7, "minute": 17}
